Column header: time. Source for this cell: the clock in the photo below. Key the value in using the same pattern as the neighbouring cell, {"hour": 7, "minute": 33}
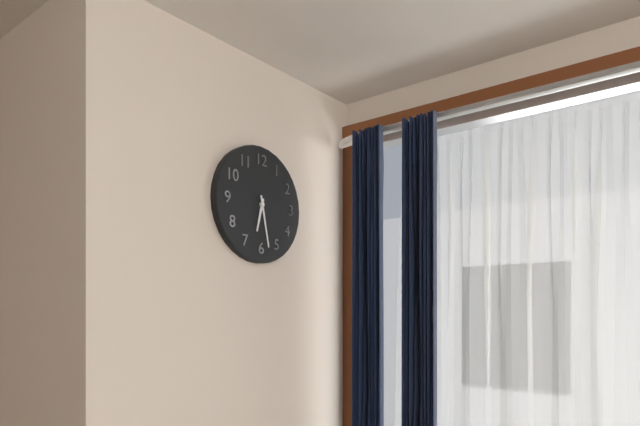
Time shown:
{"hour": 6, "minute": 28}
